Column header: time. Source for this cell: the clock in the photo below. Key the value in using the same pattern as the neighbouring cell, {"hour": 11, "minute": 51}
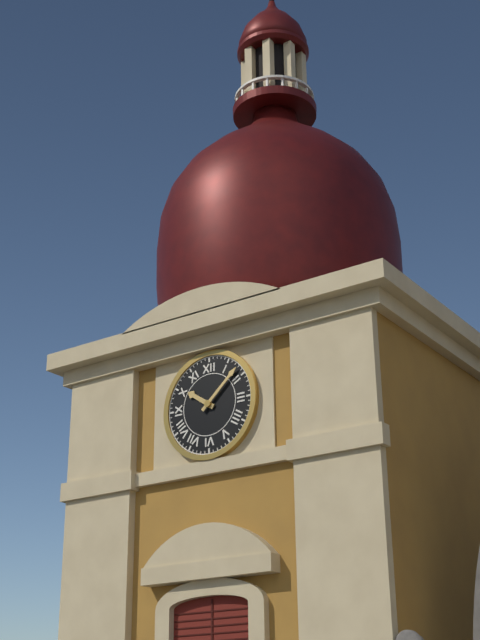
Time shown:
{"hour": 10, "minute": 8}
